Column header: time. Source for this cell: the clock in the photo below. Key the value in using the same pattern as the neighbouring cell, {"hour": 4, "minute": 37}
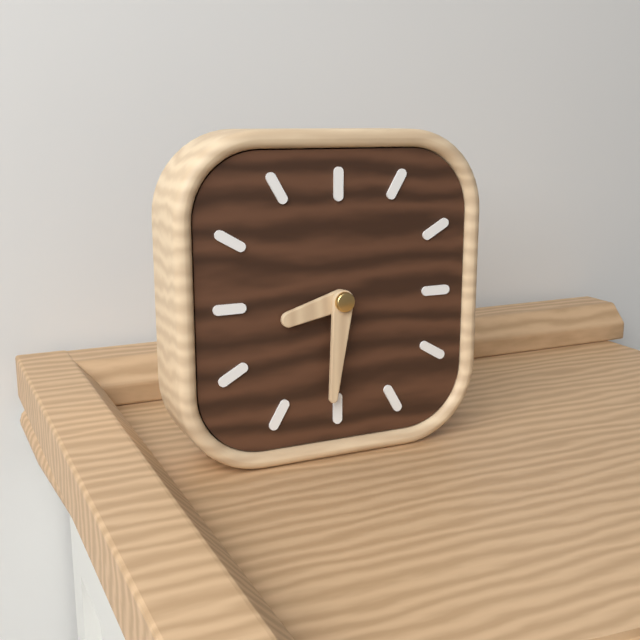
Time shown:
{"hour": 8, "minute": 31}
